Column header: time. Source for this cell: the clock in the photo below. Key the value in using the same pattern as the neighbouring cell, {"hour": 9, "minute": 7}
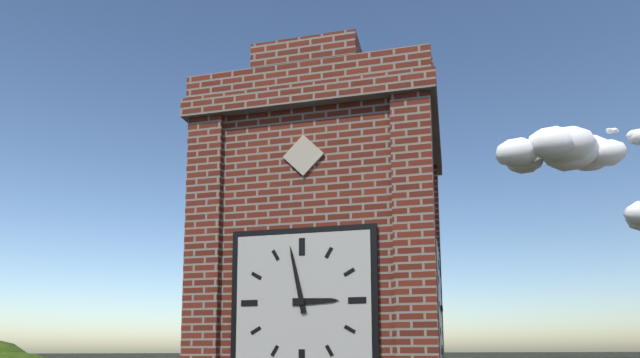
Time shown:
{"hour": 2, "minute": 58}
